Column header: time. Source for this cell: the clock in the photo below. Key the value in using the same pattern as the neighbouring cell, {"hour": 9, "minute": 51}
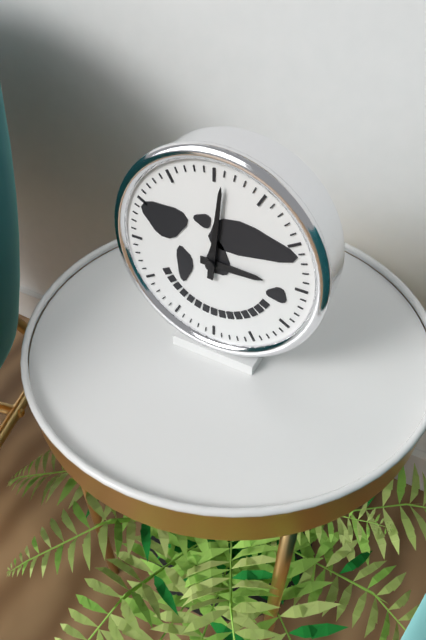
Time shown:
{"hour": 3, "minute": 1}
